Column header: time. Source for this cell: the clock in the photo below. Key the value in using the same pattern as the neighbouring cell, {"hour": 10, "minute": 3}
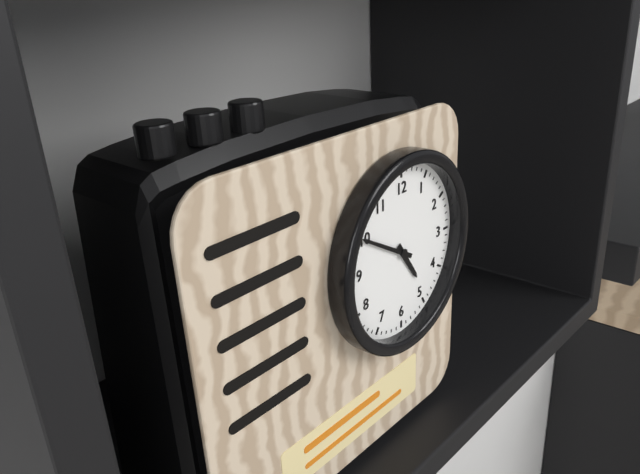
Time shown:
{"hour": 4, "minute": 50}
